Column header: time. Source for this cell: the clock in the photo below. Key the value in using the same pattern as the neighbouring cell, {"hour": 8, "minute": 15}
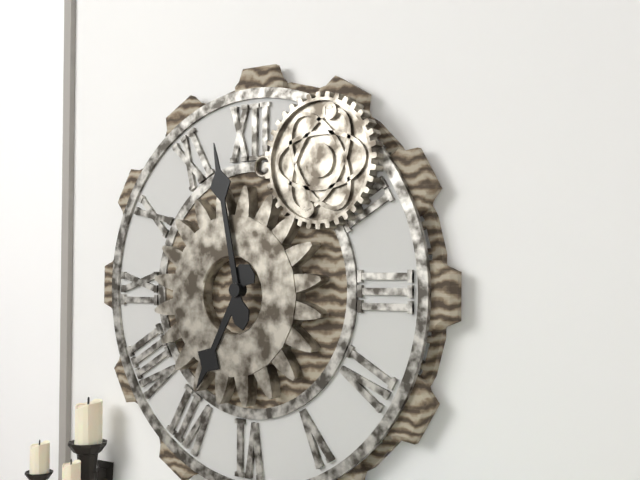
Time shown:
{"hour": 6, "minute": 58}
